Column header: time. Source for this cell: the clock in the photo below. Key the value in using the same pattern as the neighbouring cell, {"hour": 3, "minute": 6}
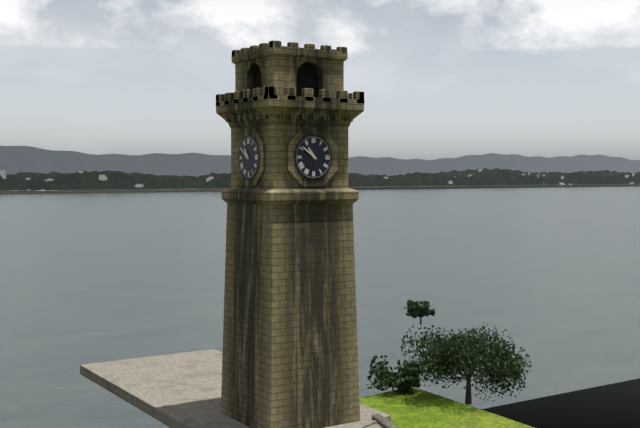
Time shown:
{"hour": 10, "minute": 51}
